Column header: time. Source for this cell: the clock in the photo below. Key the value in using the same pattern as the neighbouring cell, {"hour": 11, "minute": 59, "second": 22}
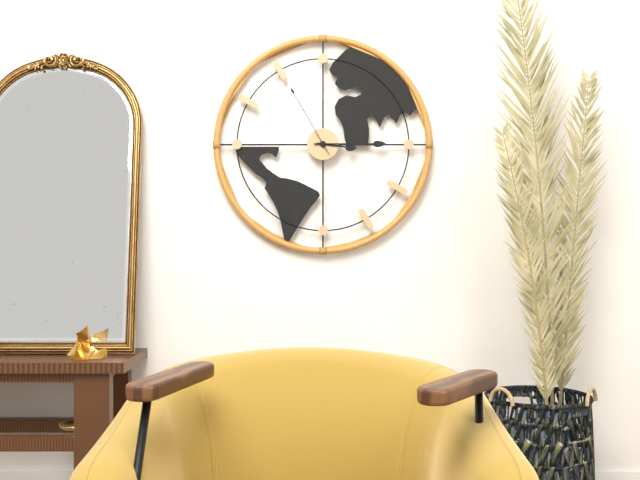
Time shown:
{"hour": 3, "minute": 15, "second": 55}
